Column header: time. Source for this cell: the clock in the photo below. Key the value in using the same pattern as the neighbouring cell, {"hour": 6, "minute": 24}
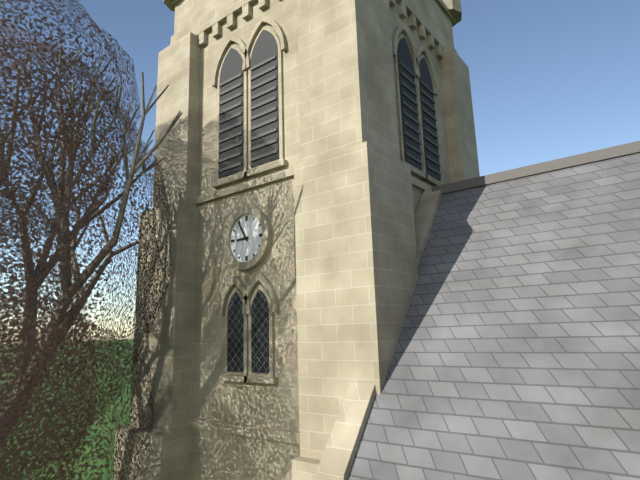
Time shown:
{"hour": 8, "minute": 55}
